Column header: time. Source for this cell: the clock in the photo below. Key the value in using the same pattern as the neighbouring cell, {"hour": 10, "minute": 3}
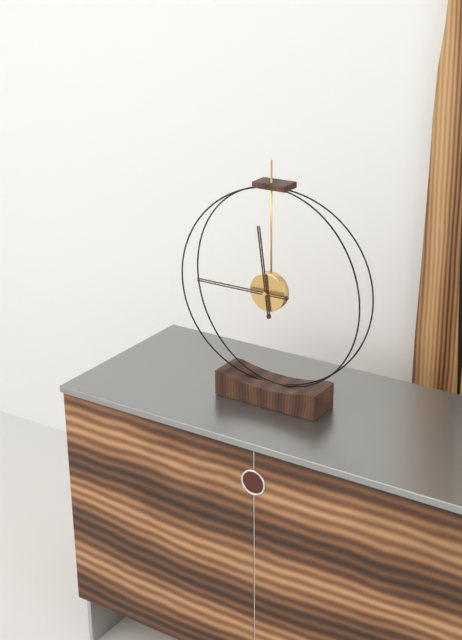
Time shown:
{"hour": 11, "minute": 45}
